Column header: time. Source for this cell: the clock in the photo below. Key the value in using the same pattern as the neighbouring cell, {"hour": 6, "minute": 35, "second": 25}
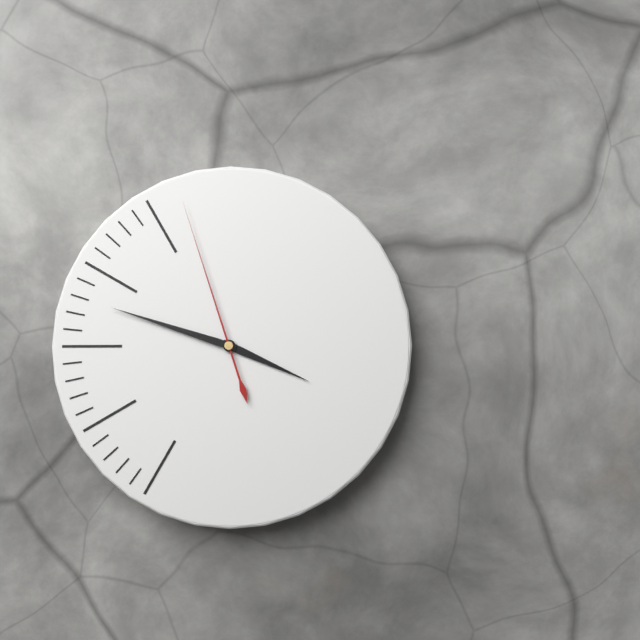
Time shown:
{"hour": 3, "minute": 48, "second": 57}
